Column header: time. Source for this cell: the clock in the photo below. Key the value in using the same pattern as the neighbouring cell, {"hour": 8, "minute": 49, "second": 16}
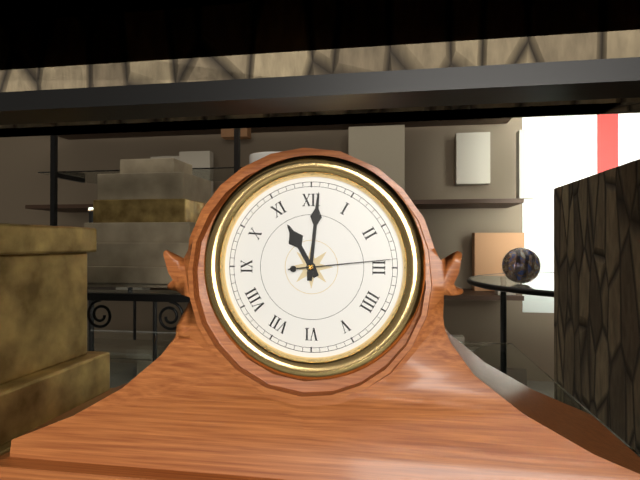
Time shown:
{"hour": 11, "minute": 1, "second": 14}
